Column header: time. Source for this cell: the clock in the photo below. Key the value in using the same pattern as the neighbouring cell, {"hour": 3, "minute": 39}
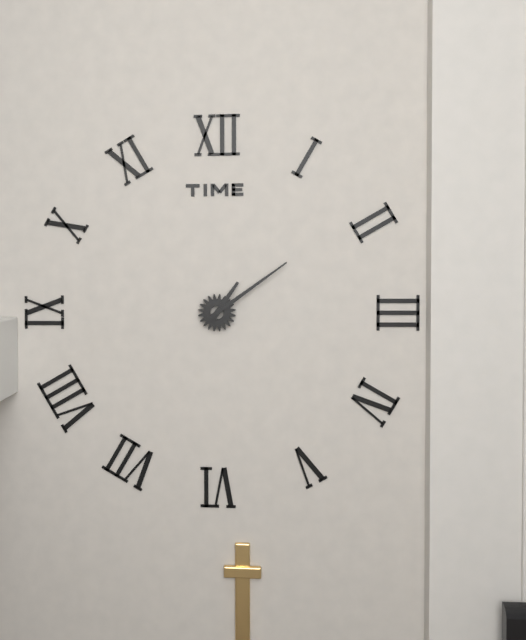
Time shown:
{"hour": 1, "minute": 9}
